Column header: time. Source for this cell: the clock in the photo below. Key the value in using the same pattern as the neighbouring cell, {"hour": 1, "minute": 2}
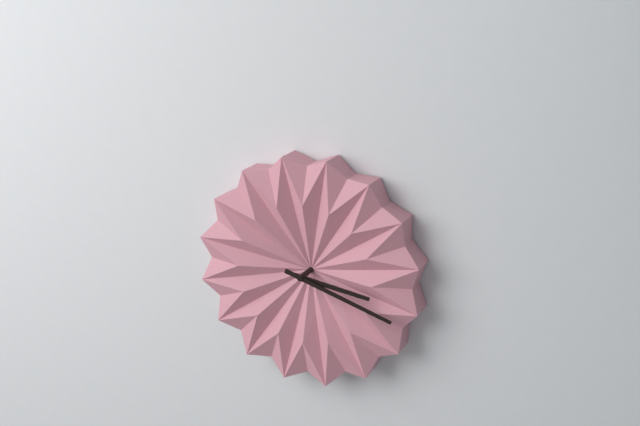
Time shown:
{"hour": 3, "minute": 18}
